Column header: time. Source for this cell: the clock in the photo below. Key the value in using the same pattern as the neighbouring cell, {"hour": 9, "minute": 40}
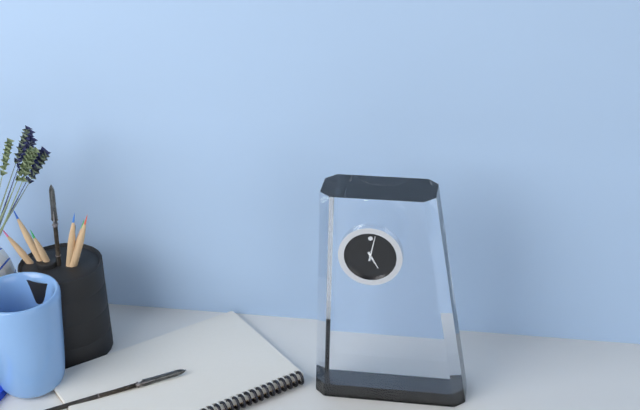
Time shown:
{"hour": 5, "minute": 2}
